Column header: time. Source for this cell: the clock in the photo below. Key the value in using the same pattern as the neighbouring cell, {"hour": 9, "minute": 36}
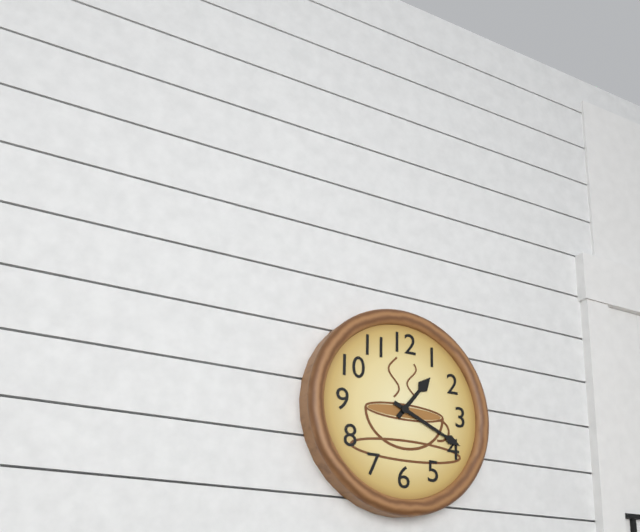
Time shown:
{"hour": 1, "minute": 19}
